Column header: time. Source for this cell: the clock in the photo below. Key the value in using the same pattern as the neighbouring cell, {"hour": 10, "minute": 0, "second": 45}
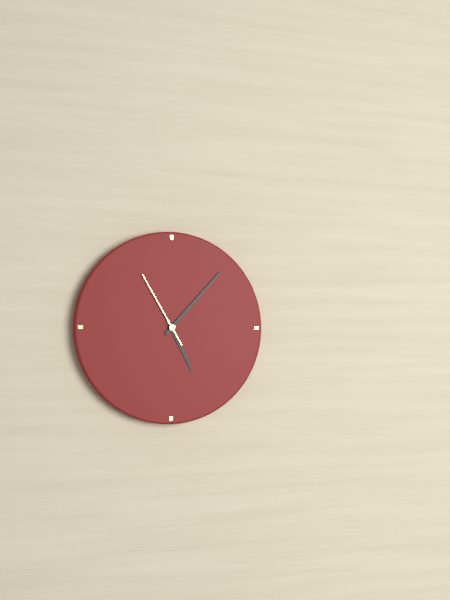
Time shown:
{"hour": 5, "minute": 7, "second": 55}
